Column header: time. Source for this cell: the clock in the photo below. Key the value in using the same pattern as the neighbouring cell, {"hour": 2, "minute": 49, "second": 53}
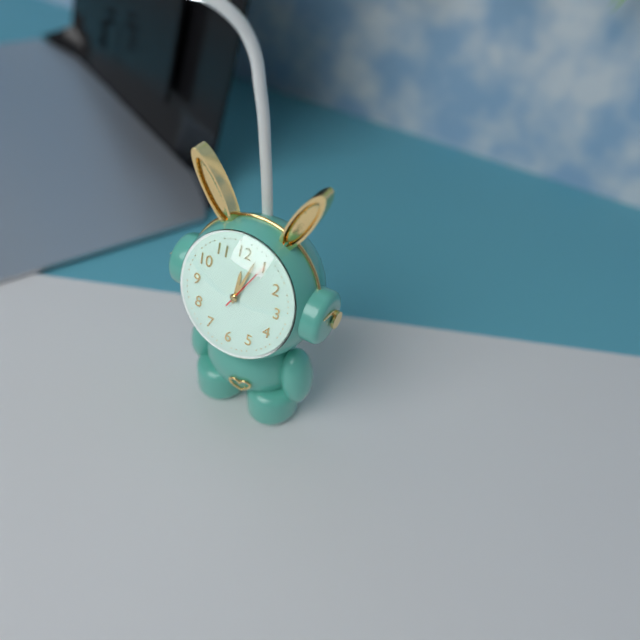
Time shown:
{"hour": 12, "minute": 3, "second": 5}
